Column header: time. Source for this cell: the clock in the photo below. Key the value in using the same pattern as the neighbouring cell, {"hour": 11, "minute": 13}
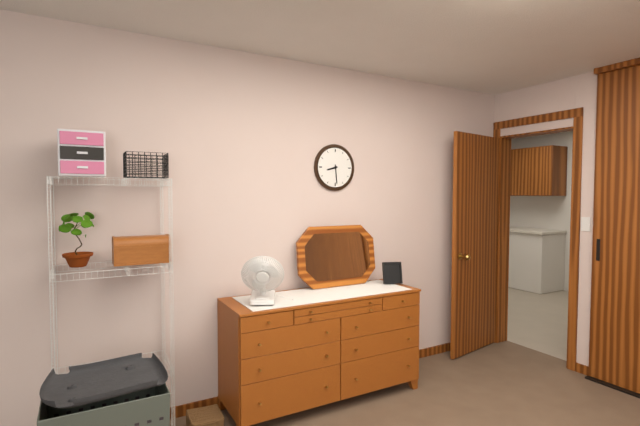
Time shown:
{"hour": 8, "minute": 29}
